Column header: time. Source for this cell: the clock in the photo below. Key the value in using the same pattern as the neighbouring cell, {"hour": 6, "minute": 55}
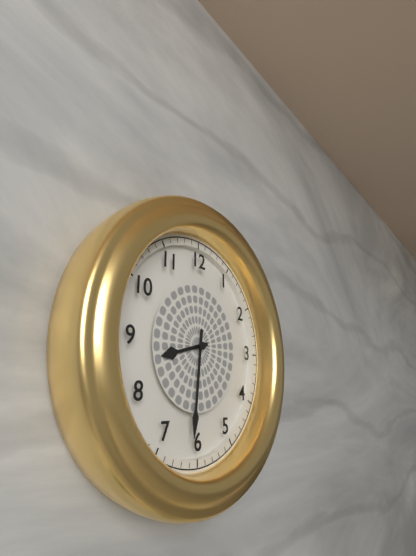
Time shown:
{"hour": 8, "minute": 31}
